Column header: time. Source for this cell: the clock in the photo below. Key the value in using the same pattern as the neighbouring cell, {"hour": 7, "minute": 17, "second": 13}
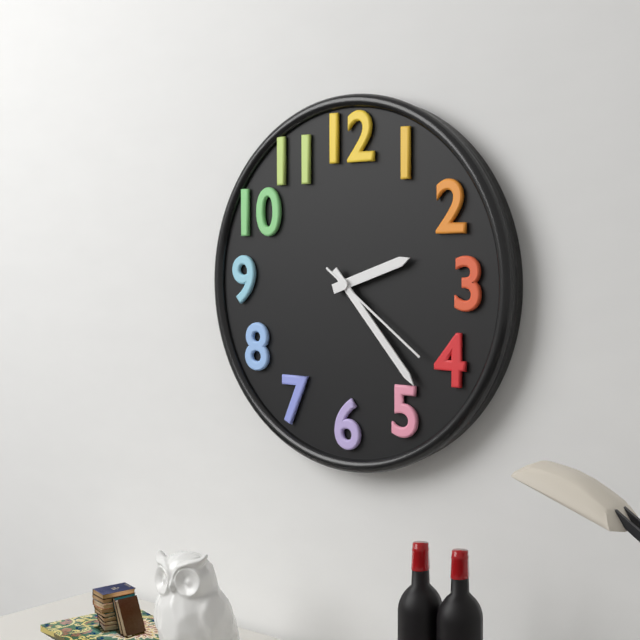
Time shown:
{"hour": 2, "minute": 23, "second": 21}
